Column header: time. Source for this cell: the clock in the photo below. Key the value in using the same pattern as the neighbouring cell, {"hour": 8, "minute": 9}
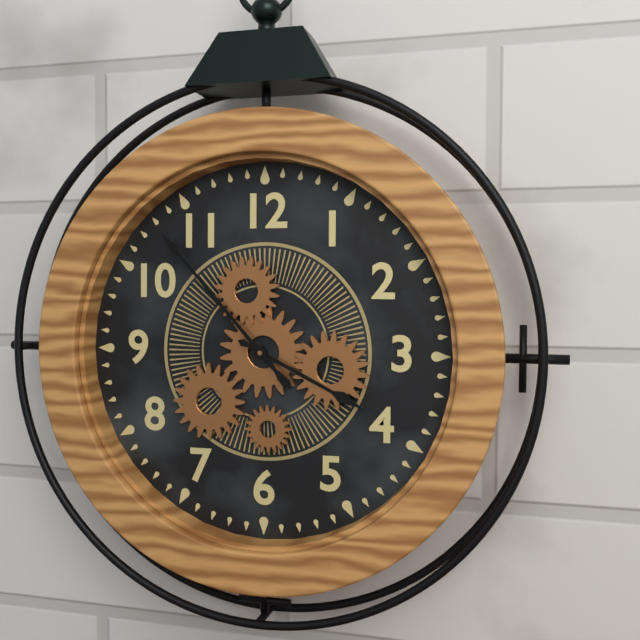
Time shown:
{"hour": 3, "minute": 53}
